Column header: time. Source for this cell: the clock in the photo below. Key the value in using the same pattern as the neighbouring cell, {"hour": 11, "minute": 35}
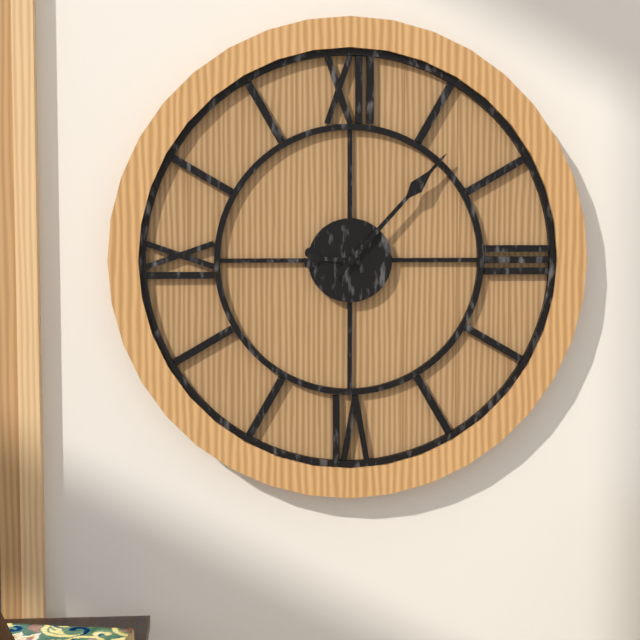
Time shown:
{"hour": 9, "minute": 7}
